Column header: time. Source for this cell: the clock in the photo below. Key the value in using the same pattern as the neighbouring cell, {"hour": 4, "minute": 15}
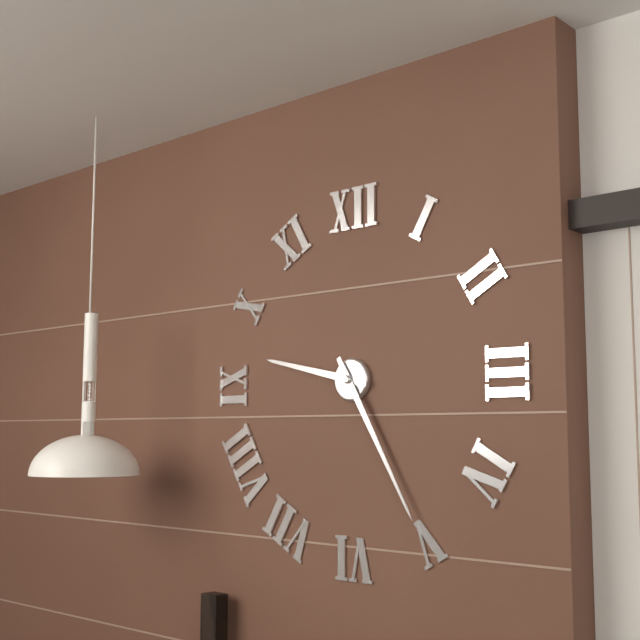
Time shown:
{"hour": 9, "minute": 25}
